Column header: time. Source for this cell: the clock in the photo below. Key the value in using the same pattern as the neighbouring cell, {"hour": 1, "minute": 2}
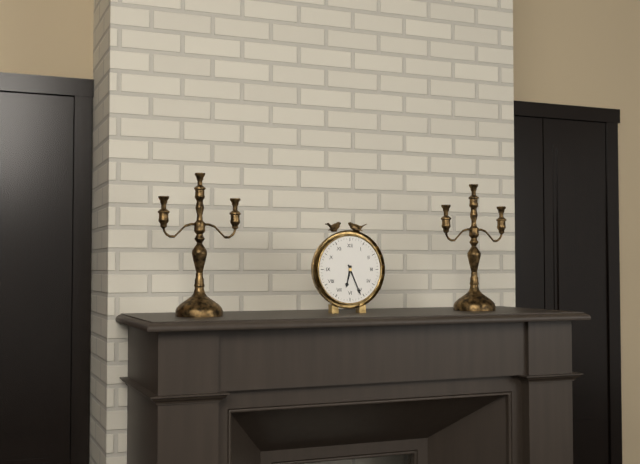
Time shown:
{"hour": 6, "minute": 26}
